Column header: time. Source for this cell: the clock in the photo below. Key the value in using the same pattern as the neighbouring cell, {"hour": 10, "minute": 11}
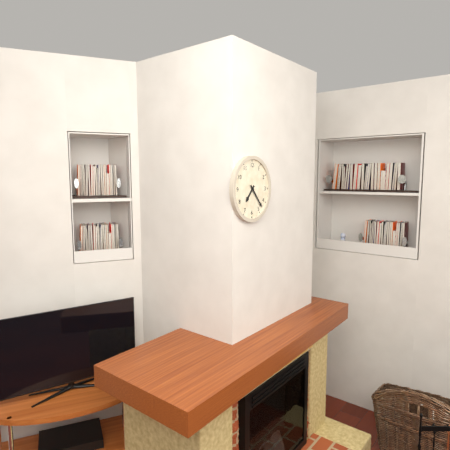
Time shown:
{"hour": 7, "minute": 23}
